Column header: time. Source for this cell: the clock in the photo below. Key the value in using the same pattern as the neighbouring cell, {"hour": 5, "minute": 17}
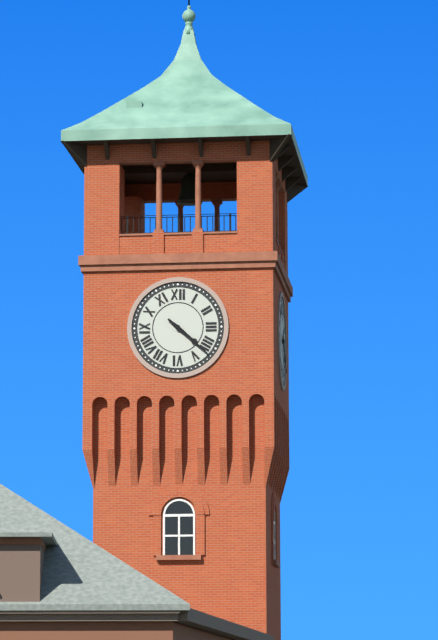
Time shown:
{"hour": 4, "minute": 22}
